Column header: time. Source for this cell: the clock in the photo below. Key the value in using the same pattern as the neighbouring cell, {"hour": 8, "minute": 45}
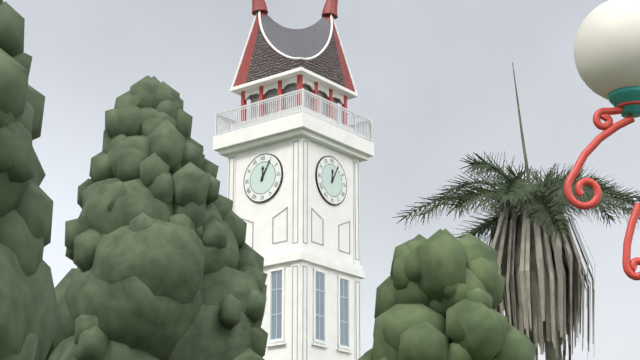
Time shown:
{"hour": 12, "minute": 5}
